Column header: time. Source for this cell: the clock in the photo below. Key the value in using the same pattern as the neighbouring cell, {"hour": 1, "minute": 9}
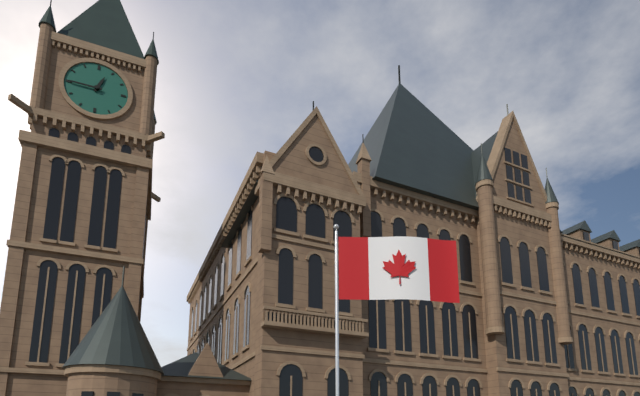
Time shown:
{"hour": 12, "minute": 45}
